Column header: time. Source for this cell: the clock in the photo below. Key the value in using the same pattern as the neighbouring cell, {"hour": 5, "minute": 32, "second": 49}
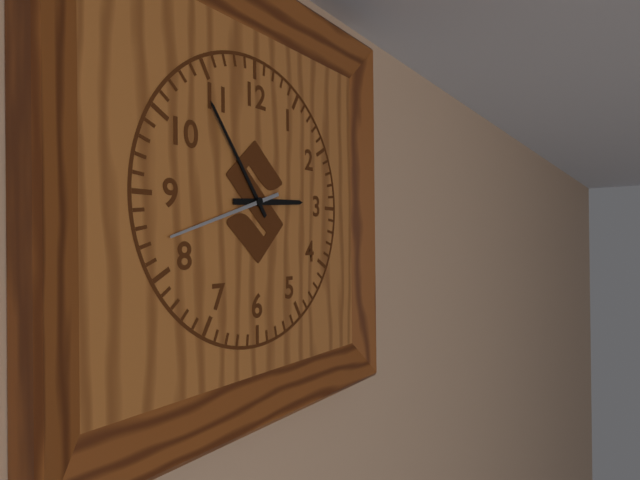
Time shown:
{"hour": 2, "minute": 54, "second": 42}
